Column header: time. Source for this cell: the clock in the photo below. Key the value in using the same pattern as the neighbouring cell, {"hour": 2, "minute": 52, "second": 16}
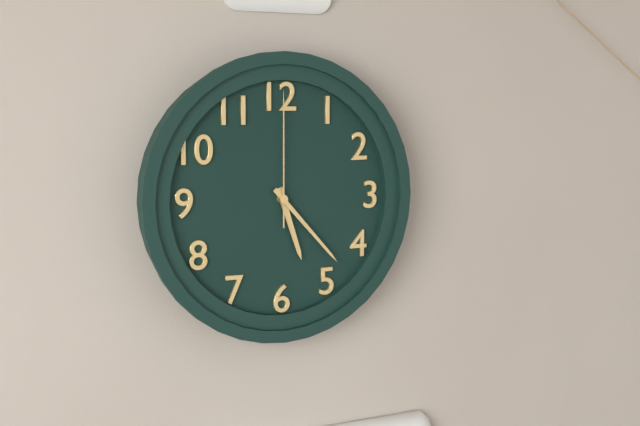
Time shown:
{"hour": 5, "minute": 23, "second": 0}
